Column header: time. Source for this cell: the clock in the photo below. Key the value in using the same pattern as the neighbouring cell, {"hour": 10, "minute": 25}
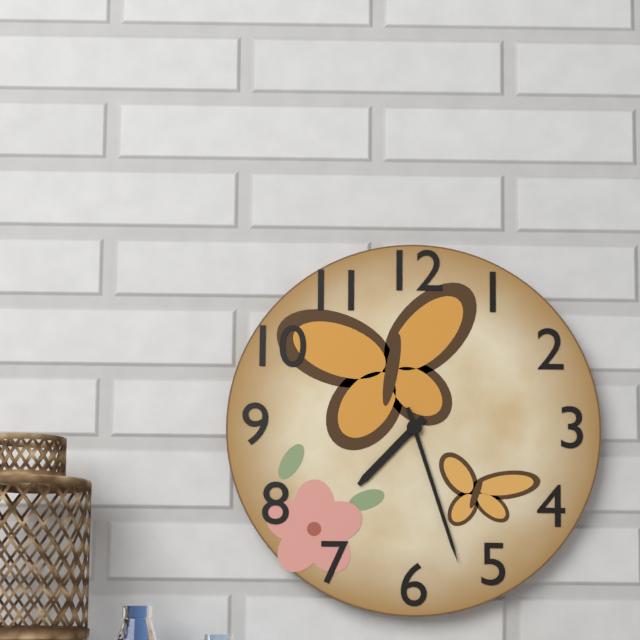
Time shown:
{"hour": 7, "minute": 27}
